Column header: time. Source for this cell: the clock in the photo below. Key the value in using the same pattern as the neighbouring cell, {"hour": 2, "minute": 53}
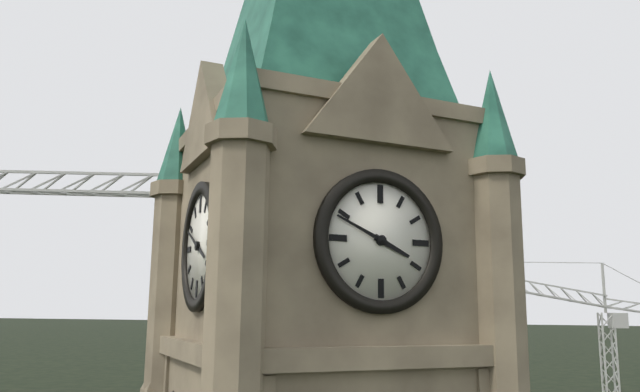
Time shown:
{"hour": 3, "minute": 49}
